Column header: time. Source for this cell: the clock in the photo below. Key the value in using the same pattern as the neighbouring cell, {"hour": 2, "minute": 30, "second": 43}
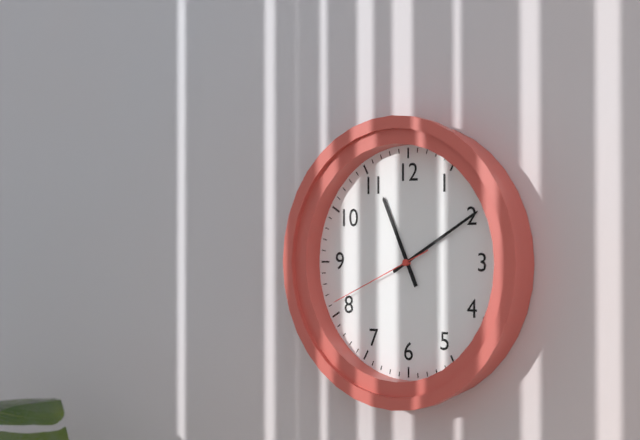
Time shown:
{"hour": 11, "minute": 10, "second": 41}
